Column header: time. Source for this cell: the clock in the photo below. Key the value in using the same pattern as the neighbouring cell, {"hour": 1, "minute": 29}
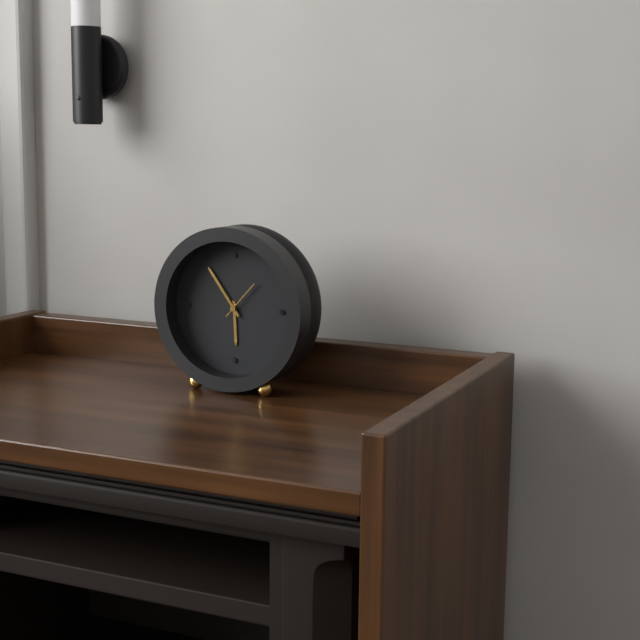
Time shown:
{"hour": 5, "minute": 54}
